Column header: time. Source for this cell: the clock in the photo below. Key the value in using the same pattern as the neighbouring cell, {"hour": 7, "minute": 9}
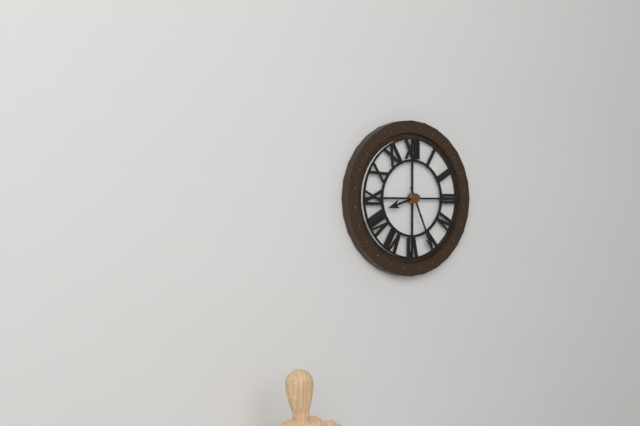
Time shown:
{"hour": 8, "minute": 26}
